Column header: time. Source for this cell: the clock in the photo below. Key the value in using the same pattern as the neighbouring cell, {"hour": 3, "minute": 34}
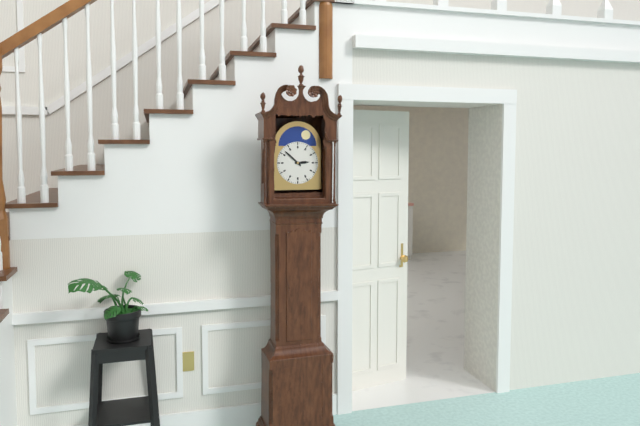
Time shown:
{"hour": 2, "minute": 52}
